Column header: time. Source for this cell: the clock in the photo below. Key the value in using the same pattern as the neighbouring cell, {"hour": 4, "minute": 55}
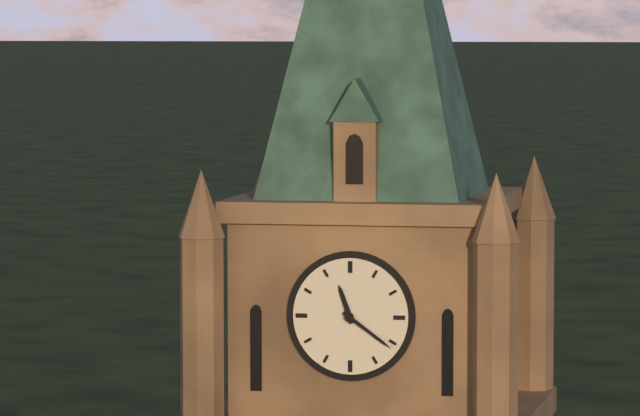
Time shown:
{"hour": 11, "minute": 21}
